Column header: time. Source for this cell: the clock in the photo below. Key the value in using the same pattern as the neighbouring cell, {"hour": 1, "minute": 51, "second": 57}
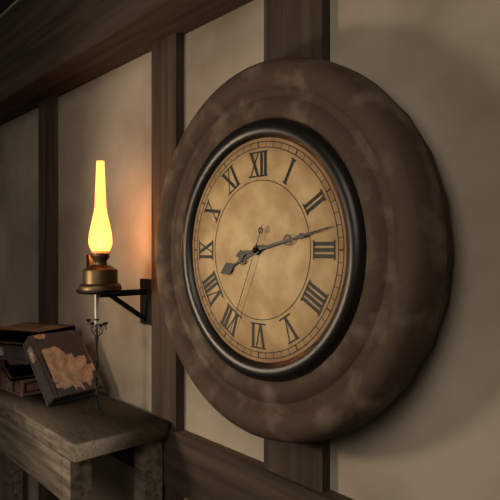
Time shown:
{"hour": 8, "minute": 13, "second": 34}
